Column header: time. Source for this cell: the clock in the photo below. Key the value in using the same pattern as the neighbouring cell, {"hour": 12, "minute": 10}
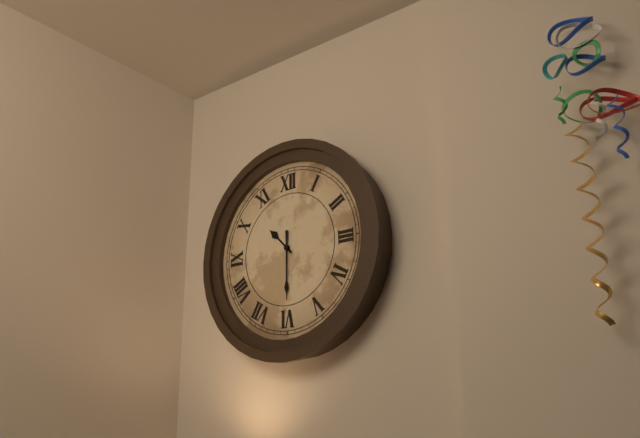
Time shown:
{"hour": 10, "minute": 30}
